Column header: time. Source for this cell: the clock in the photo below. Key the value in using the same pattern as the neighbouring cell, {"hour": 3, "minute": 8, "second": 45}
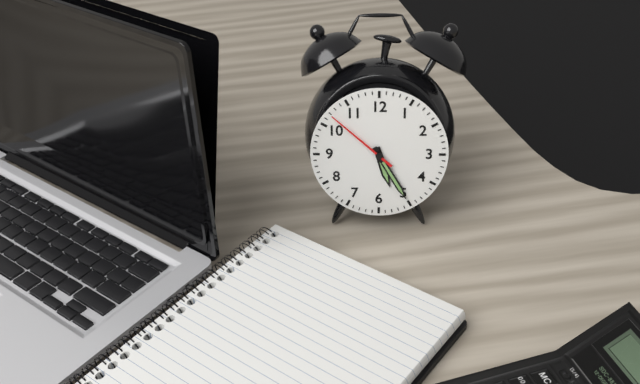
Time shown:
{"hour": 5, "minute": 25, "second": 52}
